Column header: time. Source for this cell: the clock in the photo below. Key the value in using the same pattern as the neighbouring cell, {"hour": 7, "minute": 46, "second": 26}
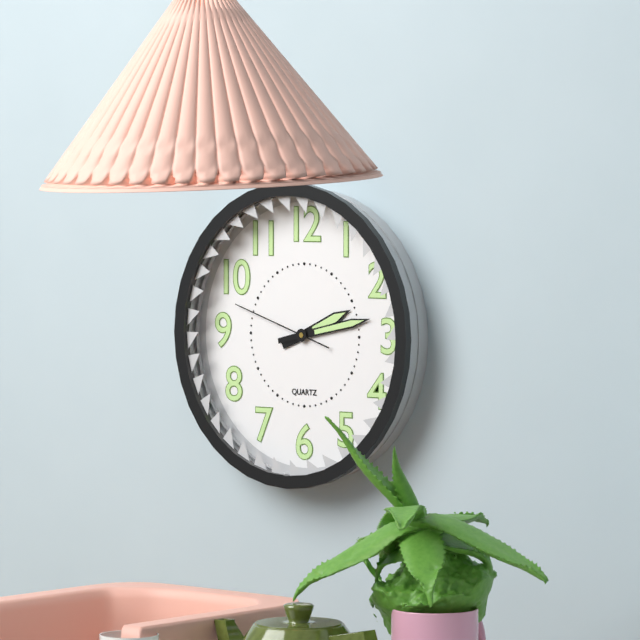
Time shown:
{"hour": 2, "minute": 13, "second": 48}
